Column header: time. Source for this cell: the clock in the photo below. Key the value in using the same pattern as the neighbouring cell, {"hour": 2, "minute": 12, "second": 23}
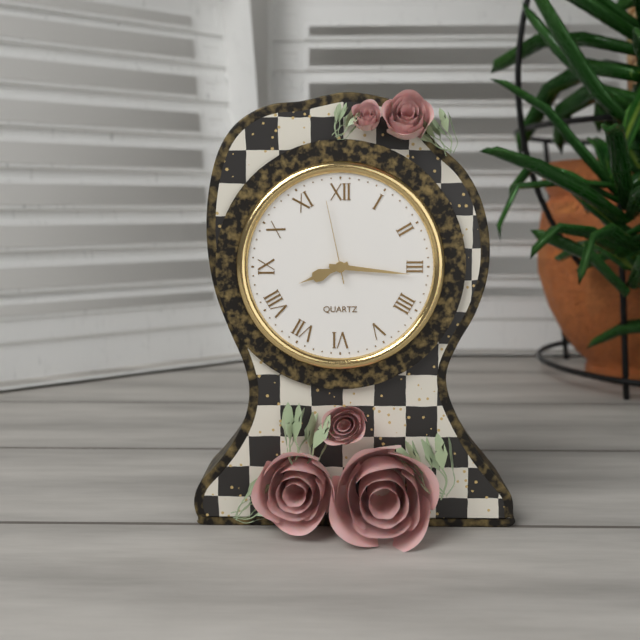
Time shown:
{"hour": 8, "minute": 16, "second": 58}
